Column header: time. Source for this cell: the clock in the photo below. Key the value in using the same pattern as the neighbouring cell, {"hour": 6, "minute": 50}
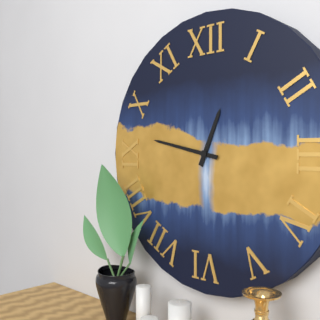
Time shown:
{"hour": 12, "minute": 47}
